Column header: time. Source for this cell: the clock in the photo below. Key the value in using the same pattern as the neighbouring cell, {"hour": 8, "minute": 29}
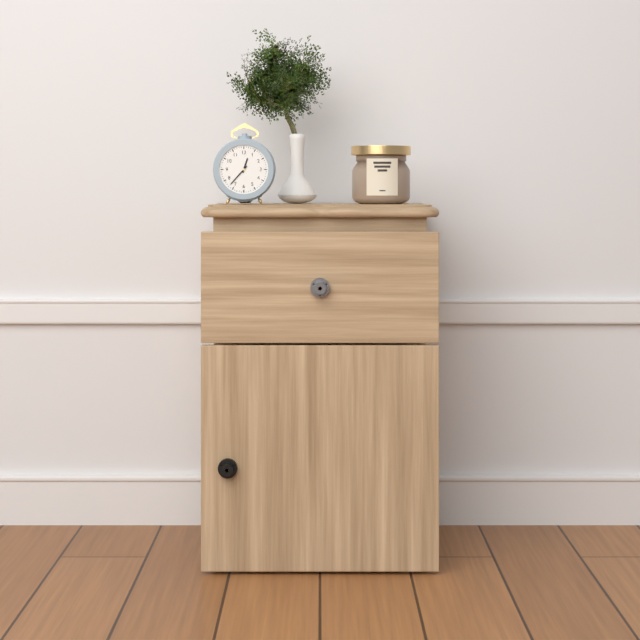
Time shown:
{"hour": 12, "minute": 37}
